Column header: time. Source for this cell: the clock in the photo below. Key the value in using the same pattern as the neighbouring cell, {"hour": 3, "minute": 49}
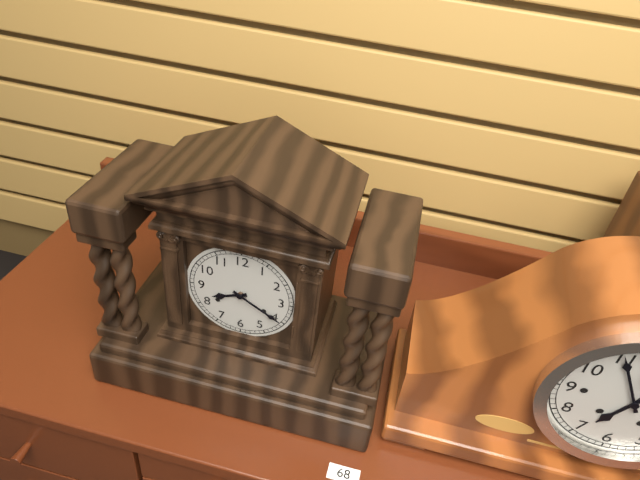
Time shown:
{"hour": 8, "minute": 20}
